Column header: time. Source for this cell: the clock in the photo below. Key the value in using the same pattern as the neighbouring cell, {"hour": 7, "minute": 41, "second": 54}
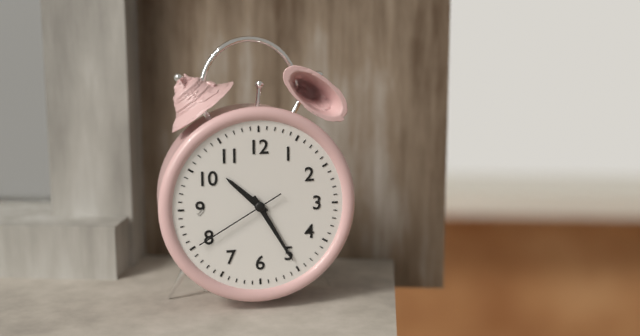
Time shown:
{"hour": 10, "minute": 25, "second": 40}
